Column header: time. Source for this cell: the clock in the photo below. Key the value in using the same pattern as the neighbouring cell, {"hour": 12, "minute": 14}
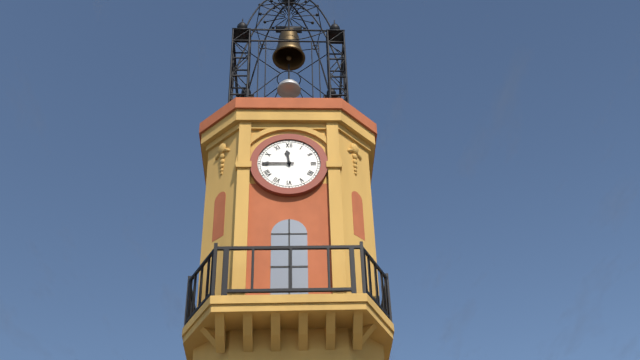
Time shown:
{"hour": 11, "minute": 45}
